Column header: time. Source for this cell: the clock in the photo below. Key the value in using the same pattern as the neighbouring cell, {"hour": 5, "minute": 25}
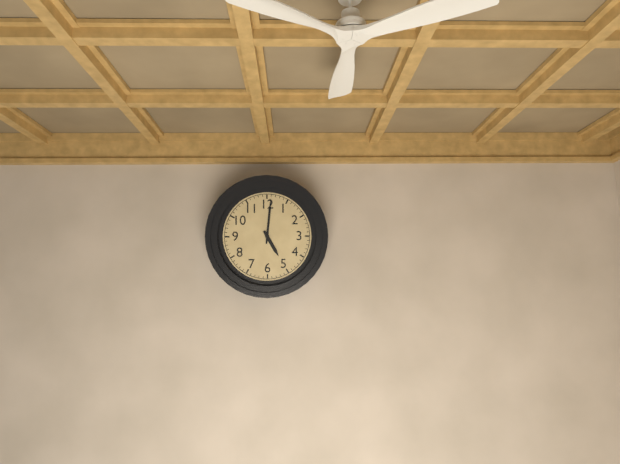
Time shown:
{"hour": 5, "minute": 1}
